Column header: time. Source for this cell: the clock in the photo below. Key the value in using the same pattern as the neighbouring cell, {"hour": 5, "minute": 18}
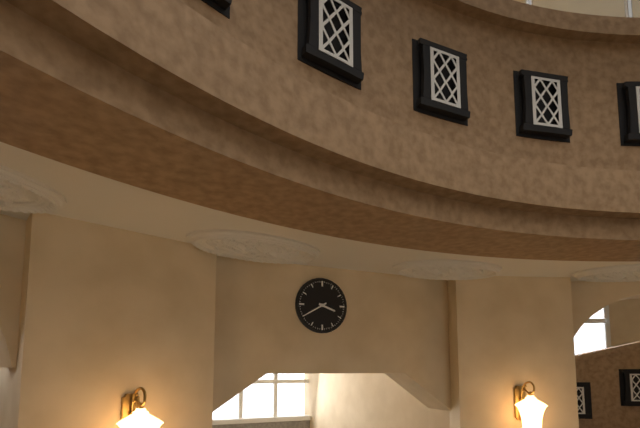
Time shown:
{"hour": 3, "minute": 40}
